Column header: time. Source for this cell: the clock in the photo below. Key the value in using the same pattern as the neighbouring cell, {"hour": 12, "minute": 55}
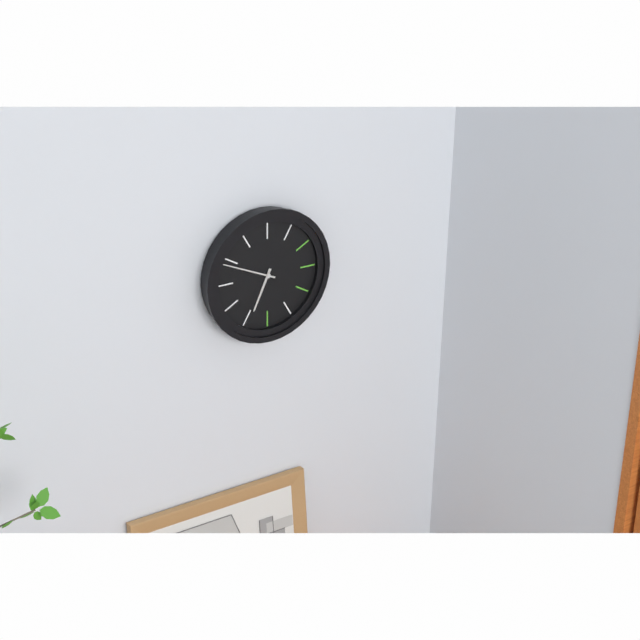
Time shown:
{"hour": 6, "minute": 49}
